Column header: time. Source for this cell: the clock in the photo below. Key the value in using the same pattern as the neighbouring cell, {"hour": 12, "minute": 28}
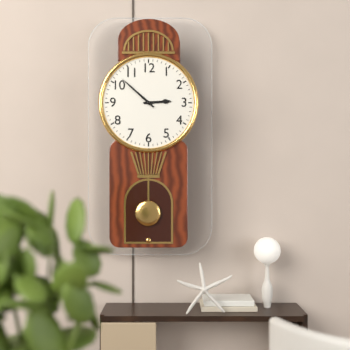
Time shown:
{"hour": 2, "minute": 52}
